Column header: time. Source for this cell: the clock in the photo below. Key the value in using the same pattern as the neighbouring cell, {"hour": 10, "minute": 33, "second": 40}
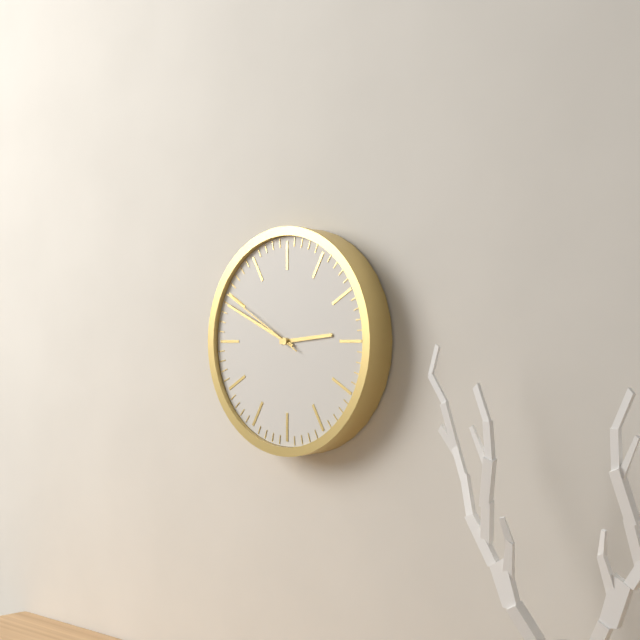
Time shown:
{"hour": 2, "minute": 49, "second": 50}
